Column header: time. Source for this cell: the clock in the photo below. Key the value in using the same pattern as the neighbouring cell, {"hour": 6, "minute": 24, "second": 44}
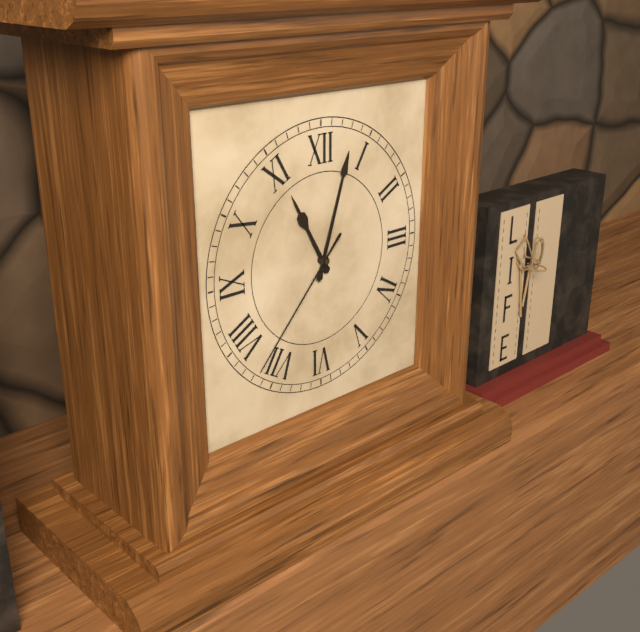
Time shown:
{"hour": 11, "minute": 3, "second": 37}
